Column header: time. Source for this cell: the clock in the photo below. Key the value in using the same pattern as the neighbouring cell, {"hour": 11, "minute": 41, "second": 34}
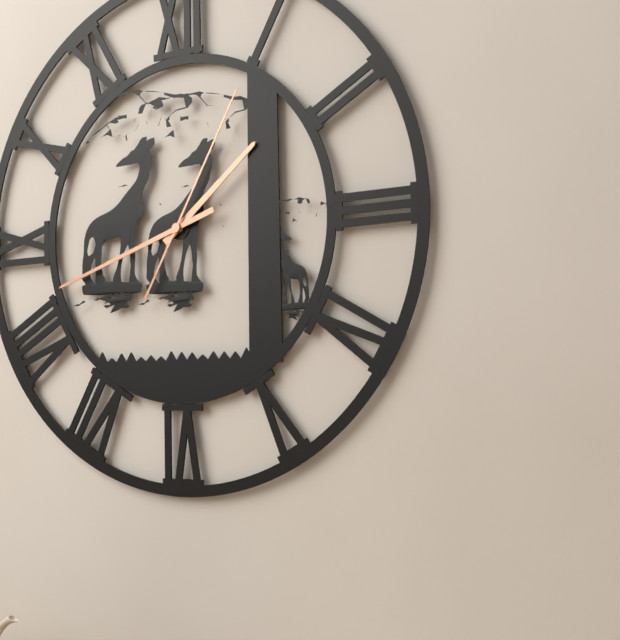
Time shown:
{"hour": 1, "minute": 42, "second": 5}
